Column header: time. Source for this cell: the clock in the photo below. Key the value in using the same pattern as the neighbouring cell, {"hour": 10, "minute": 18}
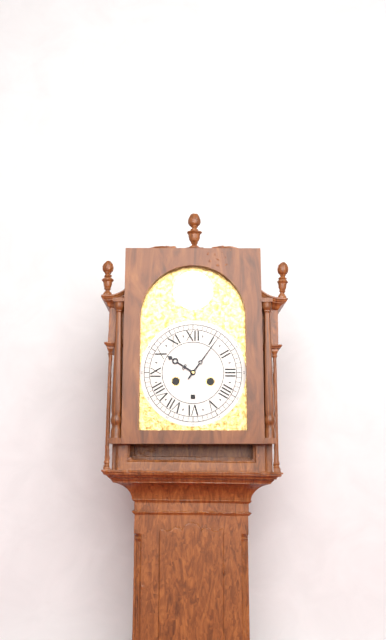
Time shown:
{"hour": 10, "minute": 6}
